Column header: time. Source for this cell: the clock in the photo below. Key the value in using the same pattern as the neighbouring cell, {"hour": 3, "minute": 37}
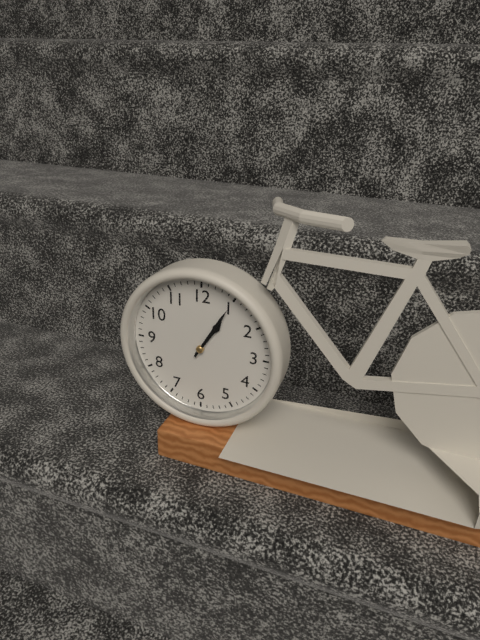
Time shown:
{"hour": 1, "minute": 5}
